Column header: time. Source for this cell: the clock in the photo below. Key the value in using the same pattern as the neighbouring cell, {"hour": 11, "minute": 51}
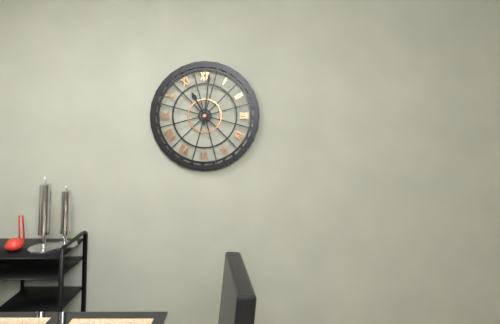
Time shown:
{"hour": 11, "minute": 1}
